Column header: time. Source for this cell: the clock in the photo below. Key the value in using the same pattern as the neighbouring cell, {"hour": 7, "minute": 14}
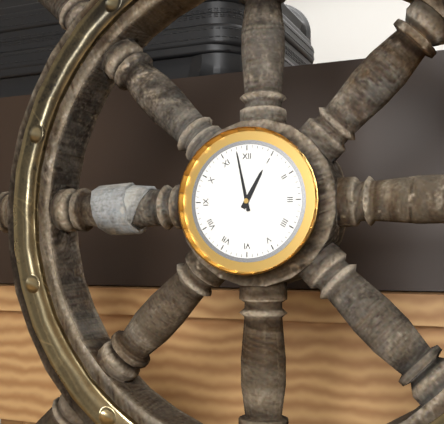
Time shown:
{"hour": 12, "minute": 58}
